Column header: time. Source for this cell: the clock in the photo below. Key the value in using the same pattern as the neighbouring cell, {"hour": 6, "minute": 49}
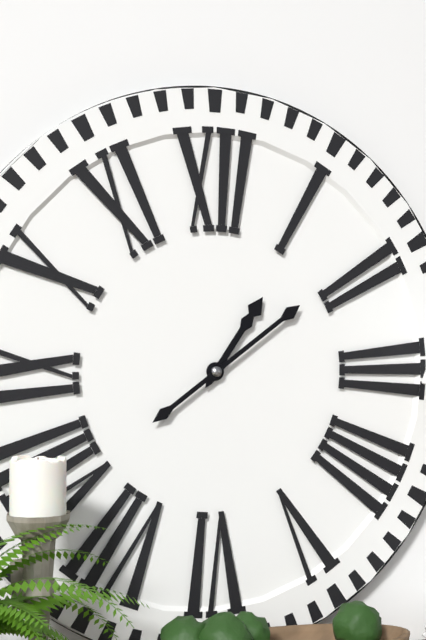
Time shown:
{"hour": 1, "minute": 9}
